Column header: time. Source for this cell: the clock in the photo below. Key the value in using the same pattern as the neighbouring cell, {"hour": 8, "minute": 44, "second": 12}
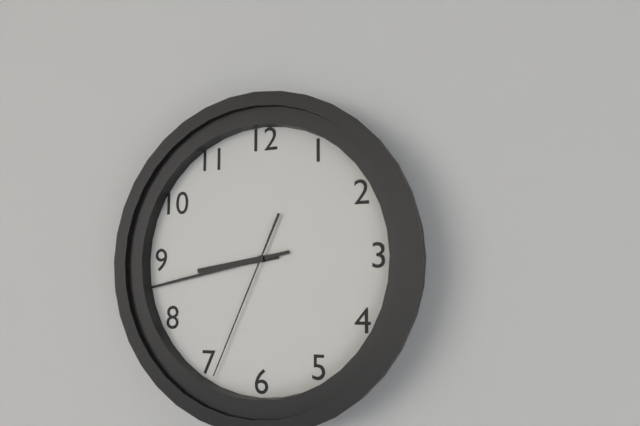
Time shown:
{"hour": 8, "minute": 43, "second": 34}
